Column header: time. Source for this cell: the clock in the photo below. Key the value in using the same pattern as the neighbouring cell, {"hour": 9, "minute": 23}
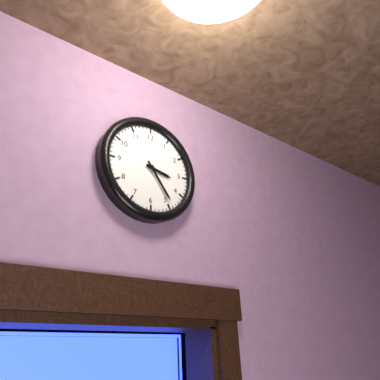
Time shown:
{"hour": 3, "minute": 24}
